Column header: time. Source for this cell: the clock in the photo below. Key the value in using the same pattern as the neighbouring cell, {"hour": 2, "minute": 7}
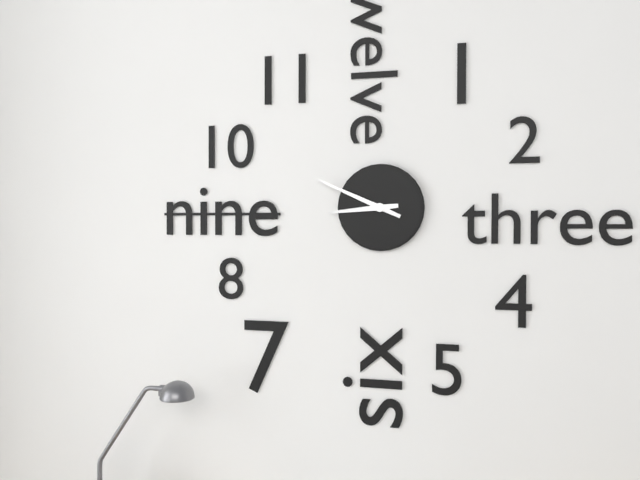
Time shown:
{"hour": 8, "minute": 49}
